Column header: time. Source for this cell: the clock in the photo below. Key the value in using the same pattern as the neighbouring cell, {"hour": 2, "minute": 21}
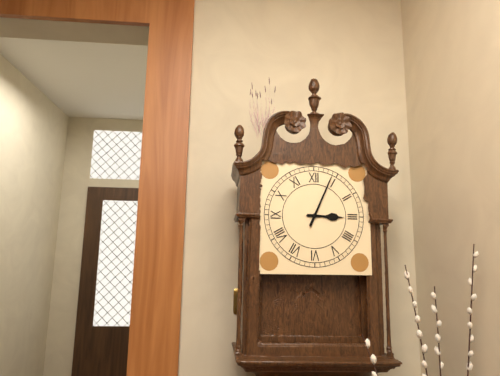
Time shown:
{"hour": 3, "minute": 4}
